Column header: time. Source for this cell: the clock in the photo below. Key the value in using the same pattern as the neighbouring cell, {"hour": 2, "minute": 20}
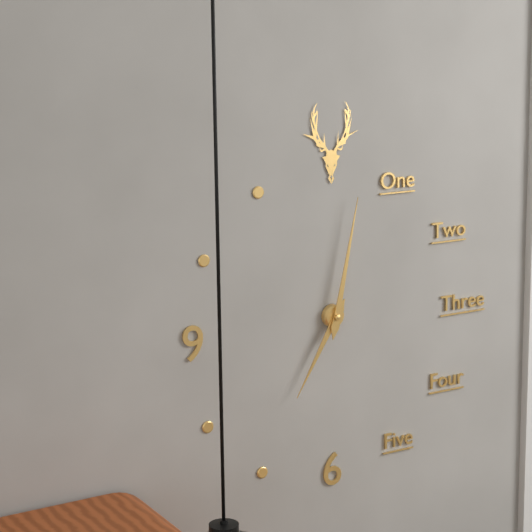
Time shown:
{"hour": 7, "minute": 2}
